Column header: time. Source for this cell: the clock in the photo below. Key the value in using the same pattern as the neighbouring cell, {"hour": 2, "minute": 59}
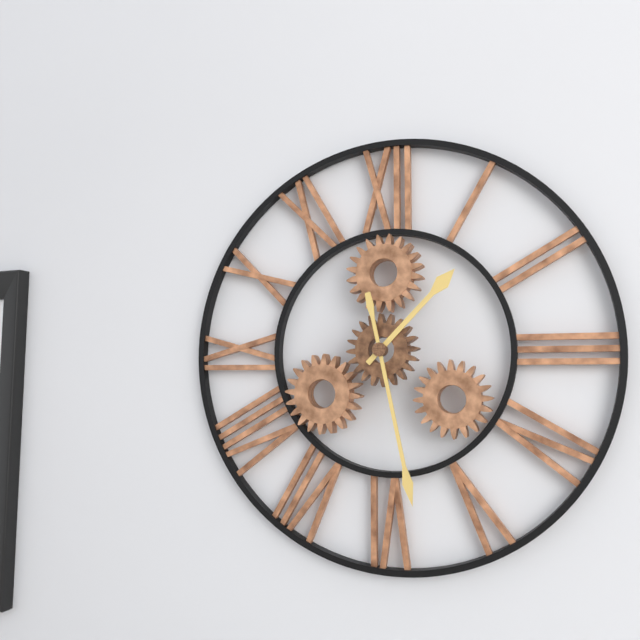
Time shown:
{"hour": 1, "minute": 28}
